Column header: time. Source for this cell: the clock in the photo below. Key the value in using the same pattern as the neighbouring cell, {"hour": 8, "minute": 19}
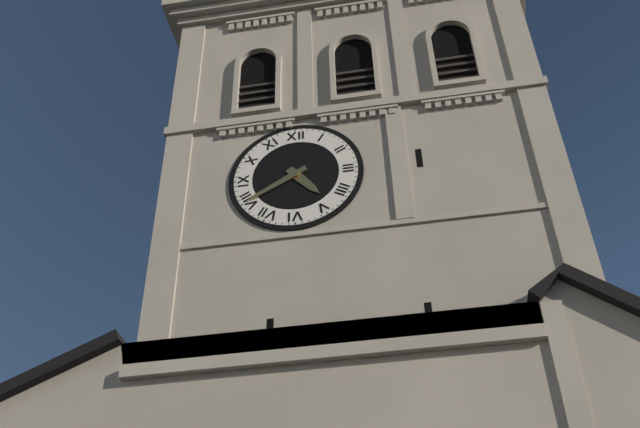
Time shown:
{"hour": 4, "minute": 40}
